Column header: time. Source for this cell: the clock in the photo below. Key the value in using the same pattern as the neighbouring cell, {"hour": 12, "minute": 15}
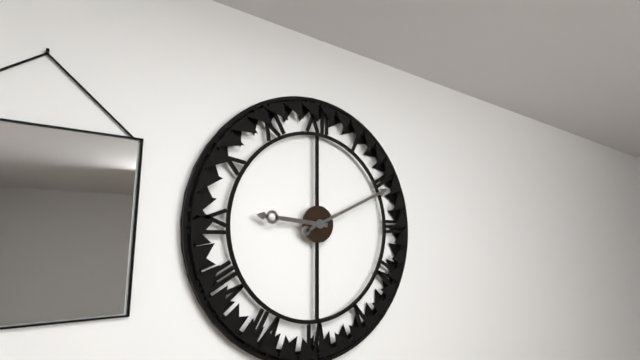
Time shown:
{"hour": 9, "minute": 11}
